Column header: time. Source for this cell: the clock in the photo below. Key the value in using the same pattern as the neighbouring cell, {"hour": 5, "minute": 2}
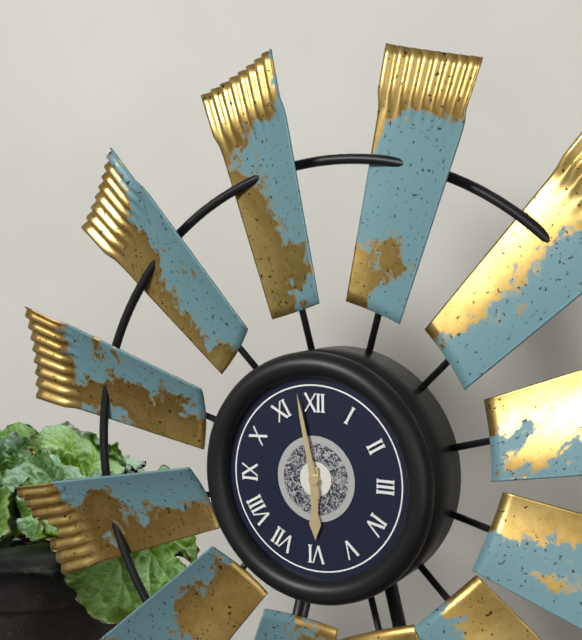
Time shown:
{"hour": 5, "minute": 58}
